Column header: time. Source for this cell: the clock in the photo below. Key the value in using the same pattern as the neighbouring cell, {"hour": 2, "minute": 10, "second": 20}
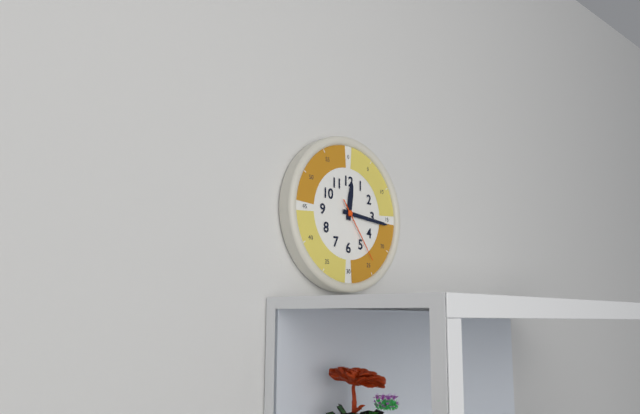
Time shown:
{"hour": 12, "minute": 16, "second": 24}
